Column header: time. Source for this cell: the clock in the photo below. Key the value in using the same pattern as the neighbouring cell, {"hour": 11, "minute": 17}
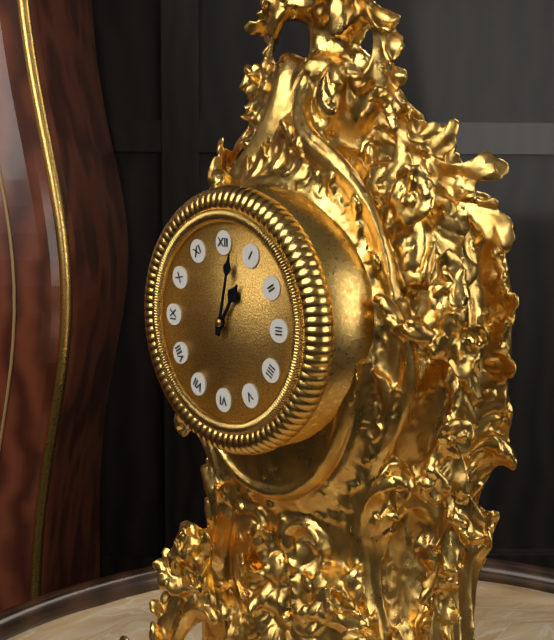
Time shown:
{"hour": 1, "minute": 2}
